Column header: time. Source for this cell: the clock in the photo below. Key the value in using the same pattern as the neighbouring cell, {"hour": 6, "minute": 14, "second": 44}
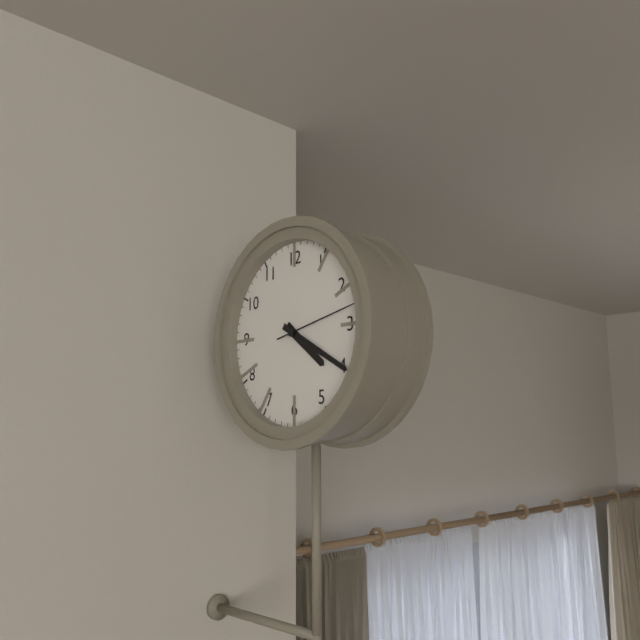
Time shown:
{"hour": 4, "minute": 20, "second": 13}
